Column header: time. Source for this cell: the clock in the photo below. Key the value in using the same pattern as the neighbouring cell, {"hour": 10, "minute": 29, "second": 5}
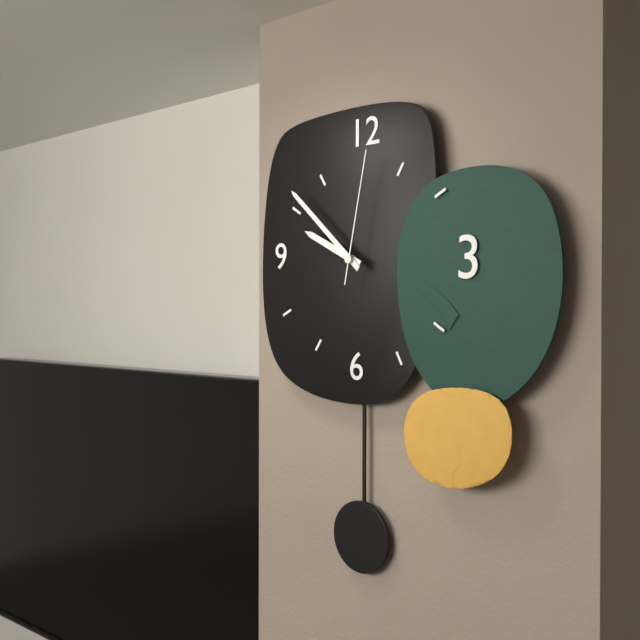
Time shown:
{"hour": 9, "minute": 52, "second": 2}
